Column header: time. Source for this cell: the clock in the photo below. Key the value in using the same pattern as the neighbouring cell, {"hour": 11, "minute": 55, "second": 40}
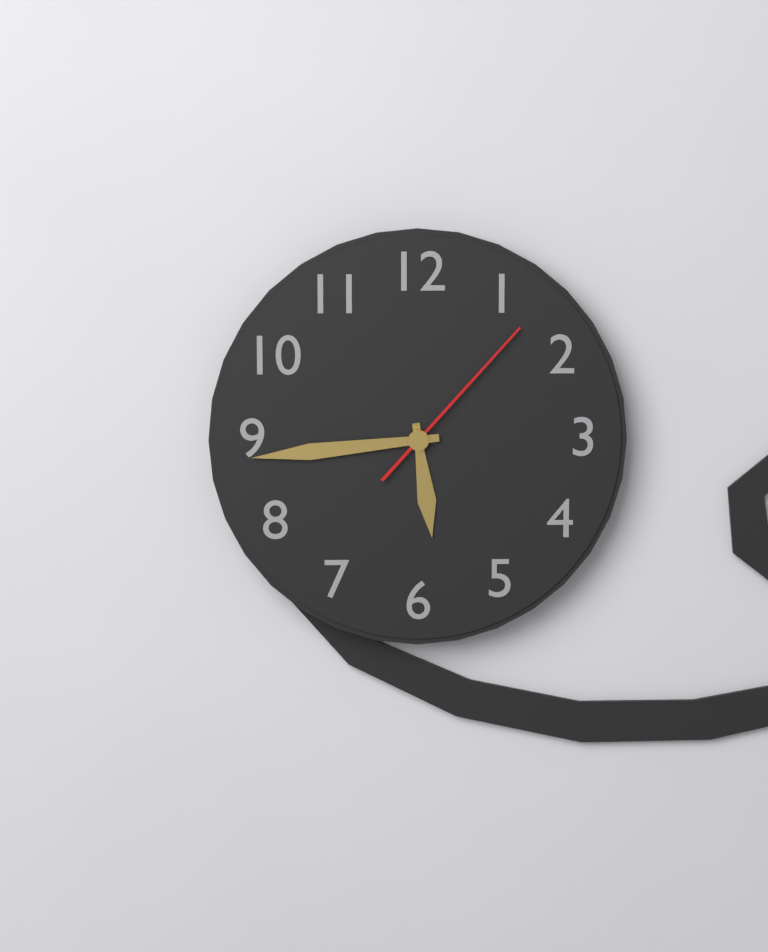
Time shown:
{"hour": 5, "minute": 44, "second": 7}
